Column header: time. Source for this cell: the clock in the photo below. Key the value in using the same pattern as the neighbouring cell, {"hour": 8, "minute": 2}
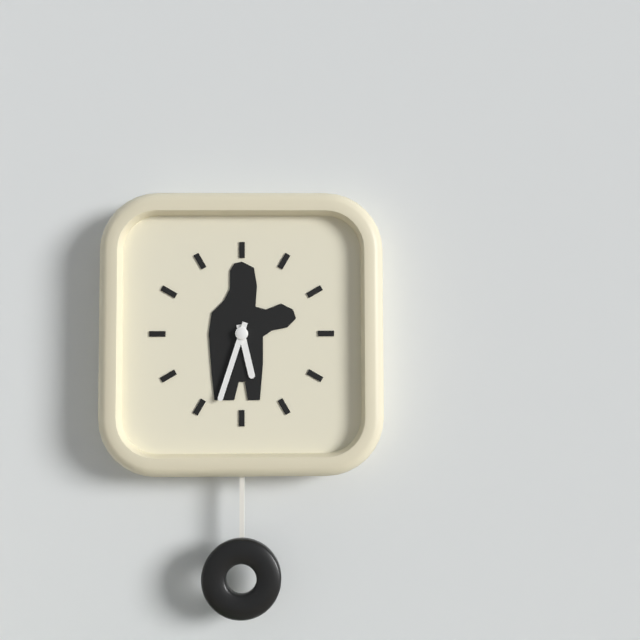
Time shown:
{"hour": 5, "minute": 33}
